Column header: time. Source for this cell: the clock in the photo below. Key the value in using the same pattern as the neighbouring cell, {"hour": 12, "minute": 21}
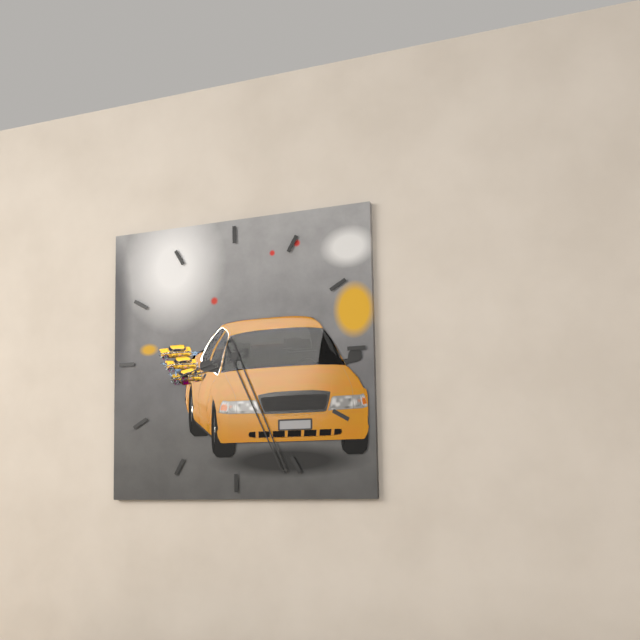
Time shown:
{"hour": 8, "minute": 26}
